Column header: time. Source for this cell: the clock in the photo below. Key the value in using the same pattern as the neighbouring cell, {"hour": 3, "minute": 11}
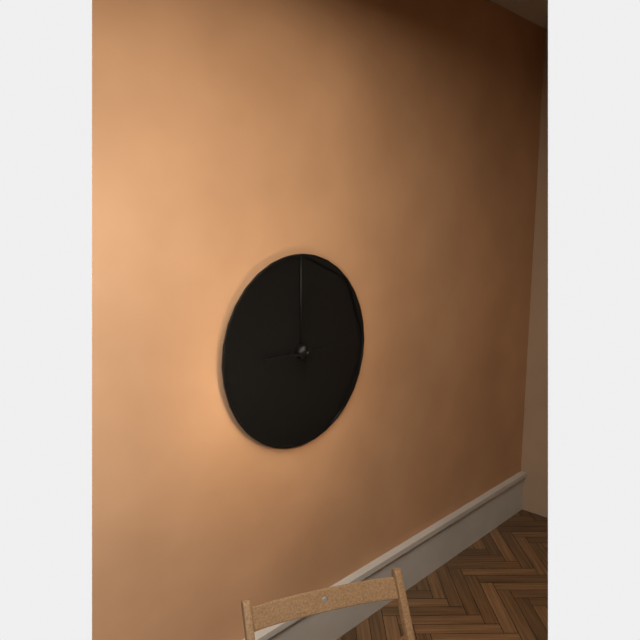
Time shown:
{"hour": 9, "minute": 1}
